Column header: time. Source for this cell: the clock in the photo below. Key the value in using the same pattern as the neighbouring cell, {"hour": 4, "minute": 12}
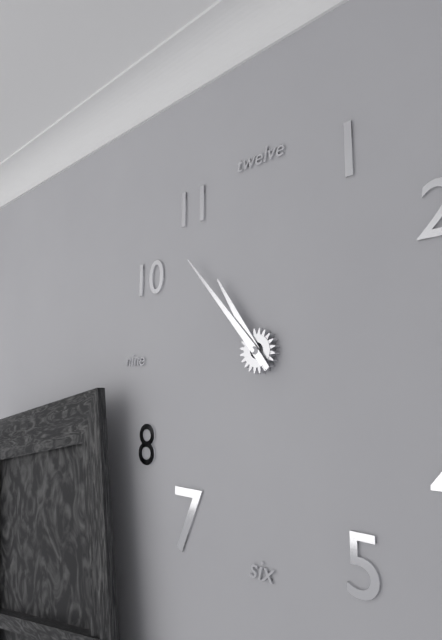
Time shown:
{"hour": 10, "minute": 53}
